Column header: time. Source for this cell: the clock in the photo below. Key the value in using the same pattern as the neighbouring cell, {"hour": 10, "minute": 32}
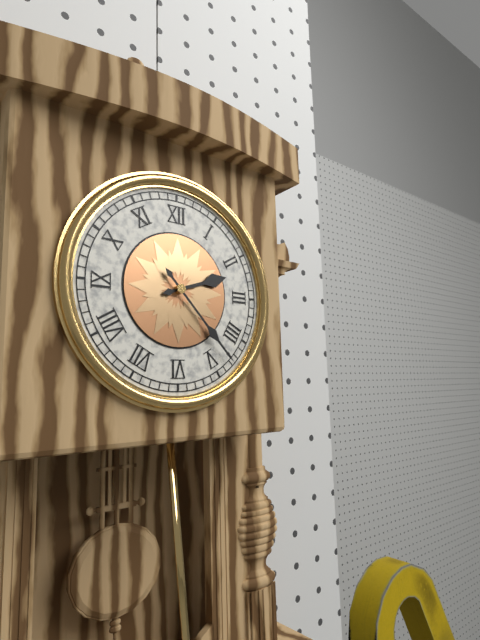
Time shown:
{"hour": 2, "minute": 23}
